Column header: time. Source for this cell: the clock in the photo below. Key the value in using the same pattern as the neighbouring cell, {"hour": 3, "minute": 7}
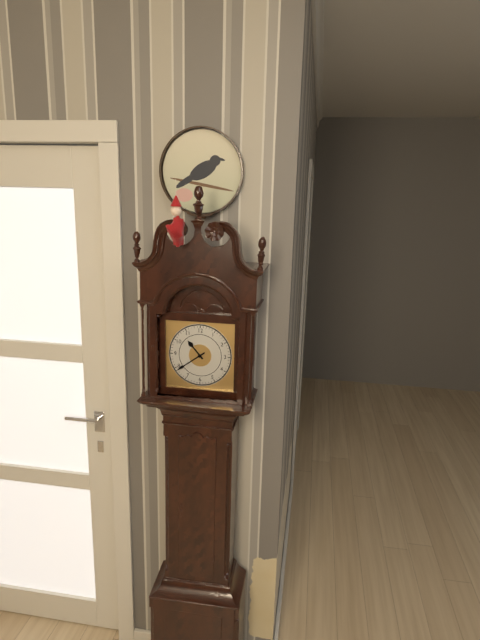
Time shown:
{"hour": 10, "minute": 39}
